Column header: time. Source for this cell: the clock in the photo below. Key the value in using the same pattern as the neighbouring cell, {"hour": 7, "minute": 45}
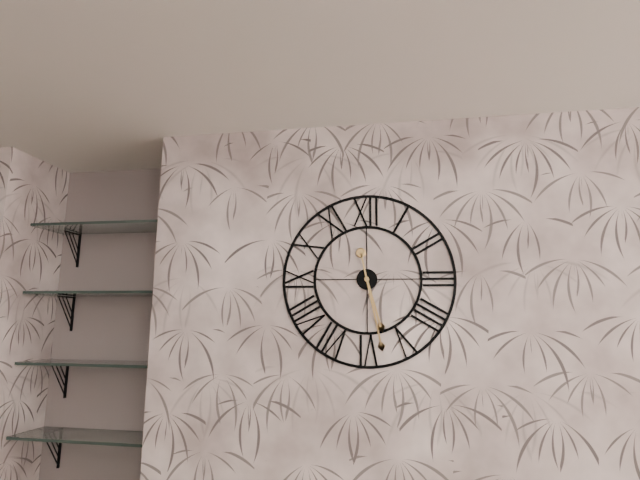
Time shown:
{"hour": 5, "minute": 28}
